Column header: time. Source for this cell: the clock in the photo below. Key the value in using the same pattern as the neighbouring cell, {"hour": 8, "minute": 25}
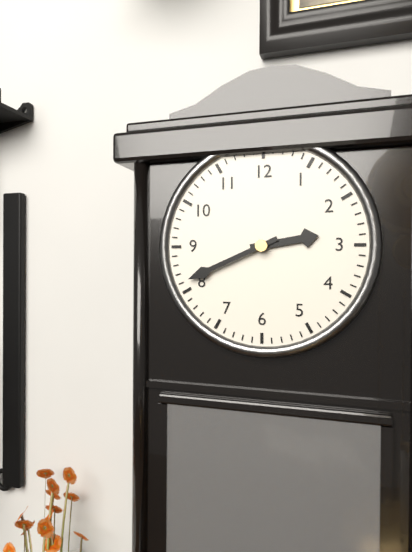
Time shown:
{"hour": 2, "minute": 41}
